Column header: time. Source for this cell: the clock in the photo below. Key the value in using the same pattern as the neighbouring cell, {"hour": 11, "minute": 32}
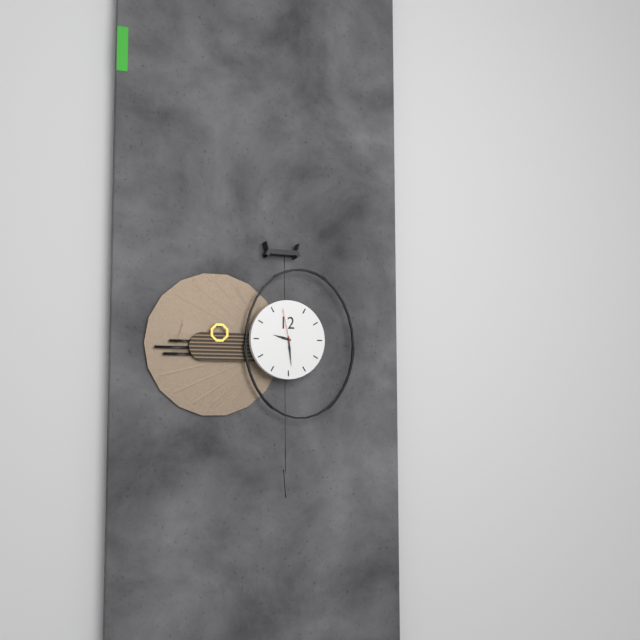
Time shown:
{"hour": 9, "minute": 29}
